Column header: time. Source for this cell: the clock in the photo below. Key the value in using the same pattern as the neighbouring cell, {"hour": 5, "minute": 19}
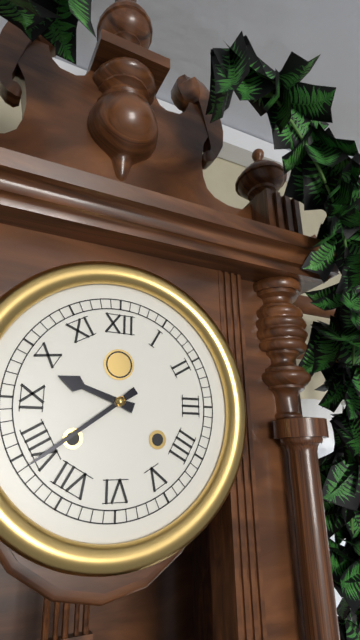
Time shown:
{"hour": 9, "minute": 39}
